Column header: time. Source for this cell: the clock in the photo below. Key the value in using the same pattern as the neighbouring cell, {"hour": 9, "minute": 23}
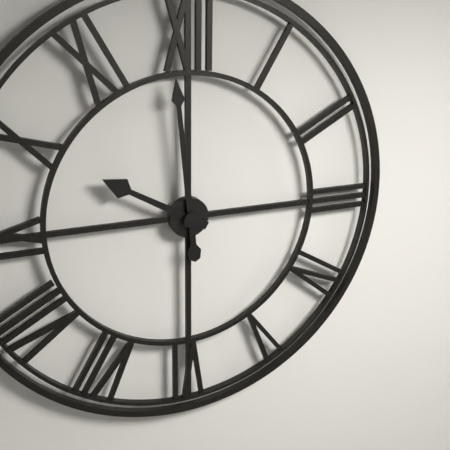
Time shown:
{"hour": 9, "minute": 59}
